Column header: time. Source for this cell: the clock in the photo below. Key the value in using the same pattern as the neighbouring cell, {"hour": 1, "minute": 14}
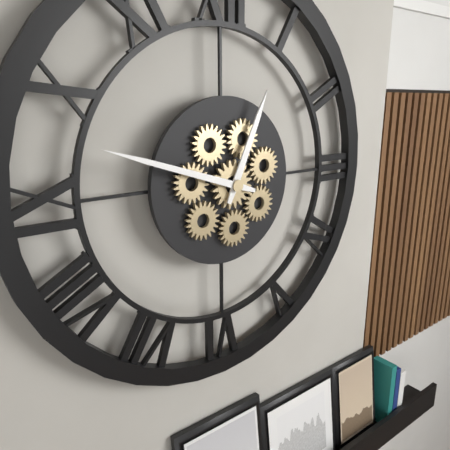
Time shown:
{"hour": 12, "minute": 48}
